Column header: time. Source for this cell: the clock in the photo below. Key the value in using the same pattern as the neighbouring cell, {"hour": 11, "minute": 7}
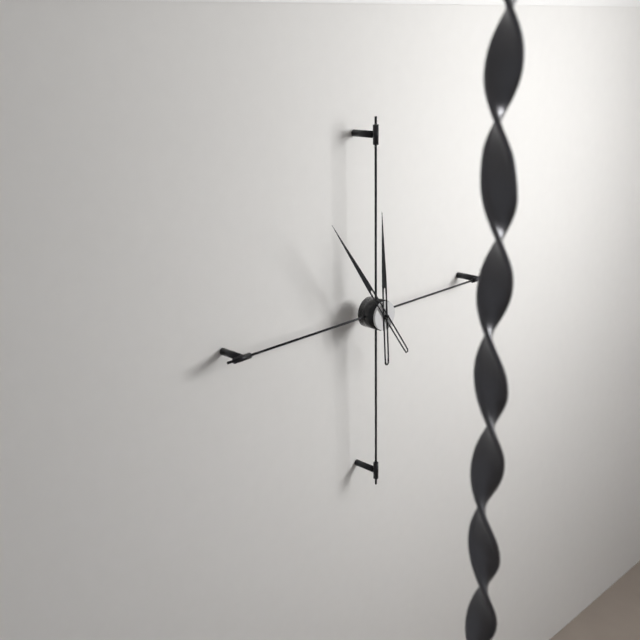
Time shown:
{"hour": 11, "minute": 54}
